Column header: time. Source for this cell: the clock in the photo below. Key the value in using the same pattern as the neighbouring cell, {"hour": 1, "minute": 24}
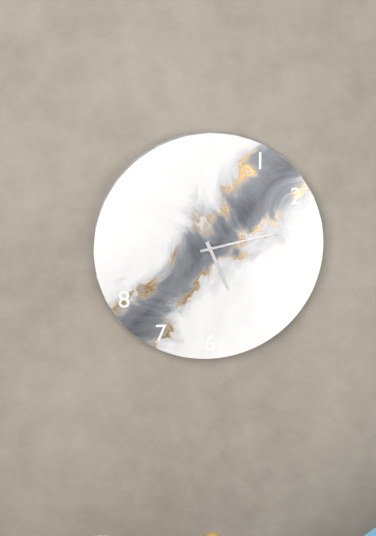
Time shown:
{"hour": 5, "minute": 13}
